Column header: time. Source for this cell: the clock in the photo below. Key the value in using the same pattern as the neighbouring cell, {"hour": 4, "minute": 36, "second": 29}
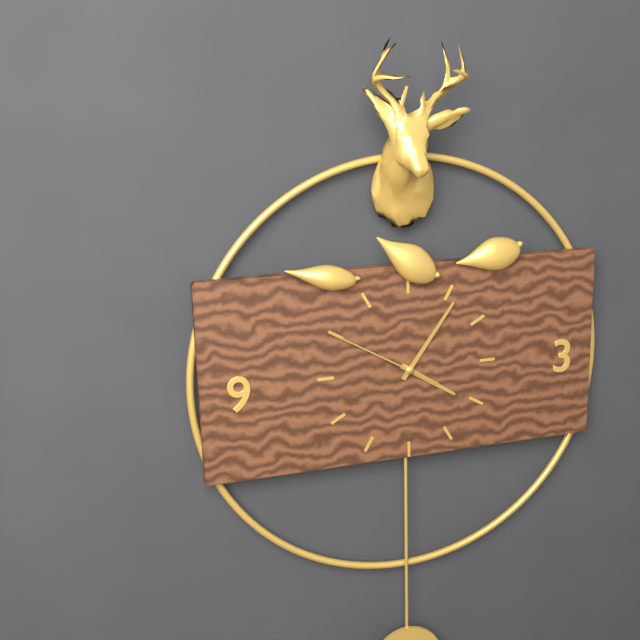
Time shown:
{"hour": 4, "minute": 6, "second": 50}
